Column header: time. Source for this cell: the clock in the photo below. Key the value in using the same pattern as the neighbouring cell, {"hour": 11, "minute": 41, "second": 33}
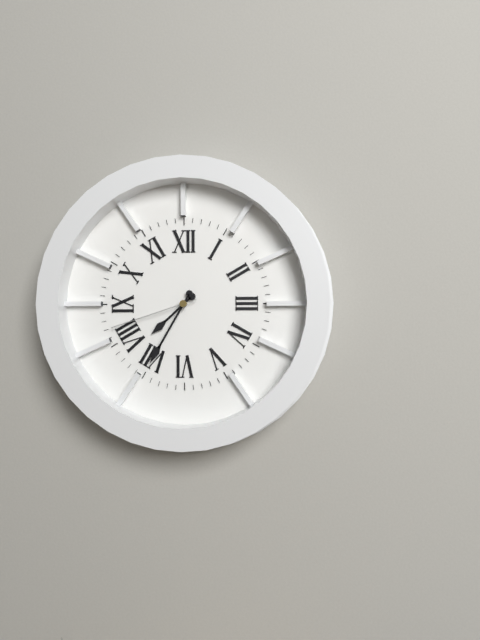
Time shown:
{"hour": 7, "minute": 35, "second": 42}
